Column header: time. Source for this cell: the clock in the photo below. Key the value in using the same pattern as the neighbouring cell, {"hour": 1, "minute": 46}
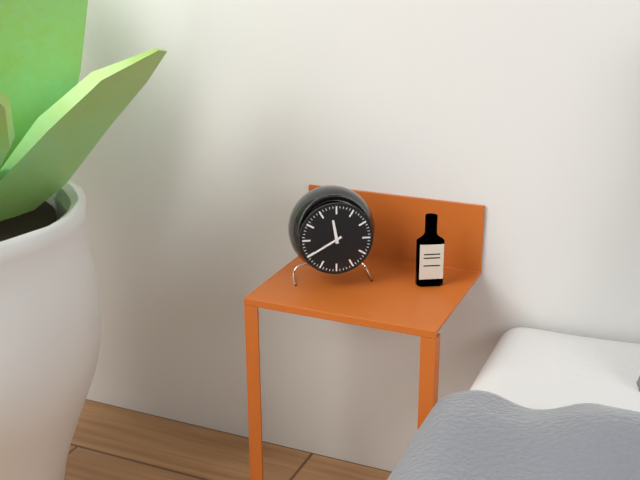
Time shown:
{"hour": 11, "minute": 40}
